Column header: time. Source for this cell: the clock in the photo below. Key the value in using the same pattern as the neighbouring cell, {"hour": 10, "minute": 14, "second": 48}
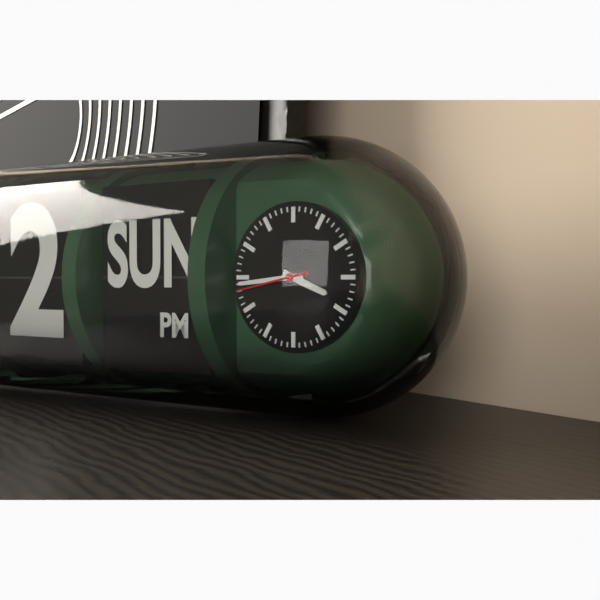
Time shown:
{"hour": 3, "minute": 44, "second": 43}
